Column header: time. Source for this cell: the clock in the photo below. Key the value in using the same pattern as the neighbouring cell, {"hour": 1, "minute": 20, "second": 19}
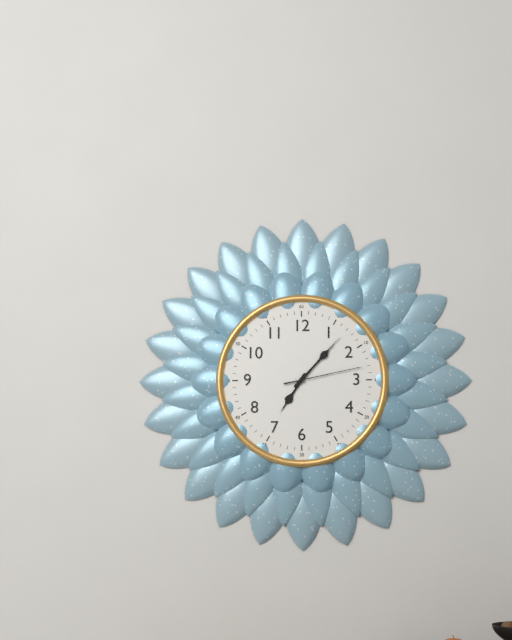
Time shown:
{"hour": 7, "minute": 7, "second": 13}
